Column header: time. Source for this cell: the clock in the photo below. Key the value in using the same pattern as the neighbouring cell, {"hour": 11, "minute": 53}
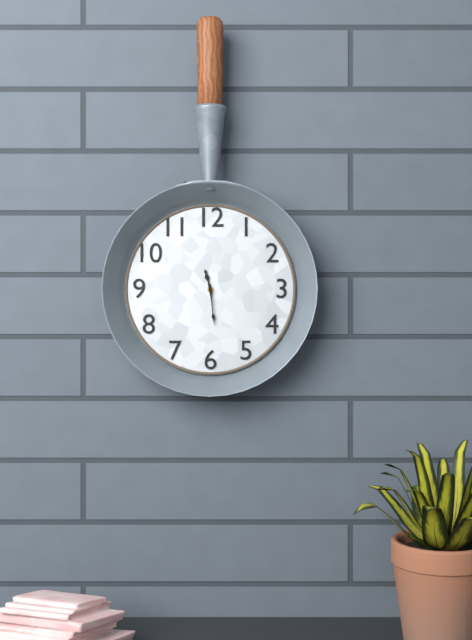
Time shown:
{"hour": 11, "minute": 29}
